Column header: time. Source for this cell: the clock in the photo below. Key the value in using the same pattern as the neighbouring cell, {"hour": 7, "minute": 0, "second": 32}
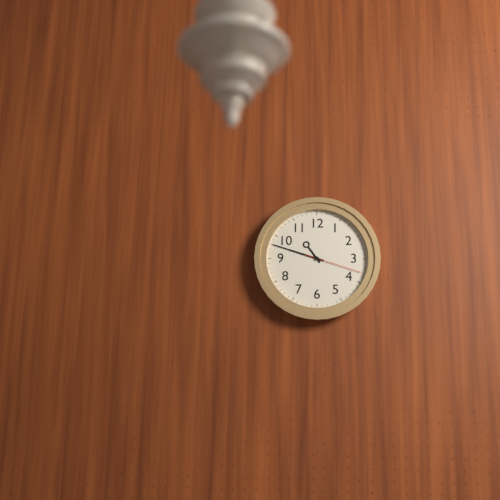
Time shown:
{"hour": 10, "minute": 48, "second": 18}
